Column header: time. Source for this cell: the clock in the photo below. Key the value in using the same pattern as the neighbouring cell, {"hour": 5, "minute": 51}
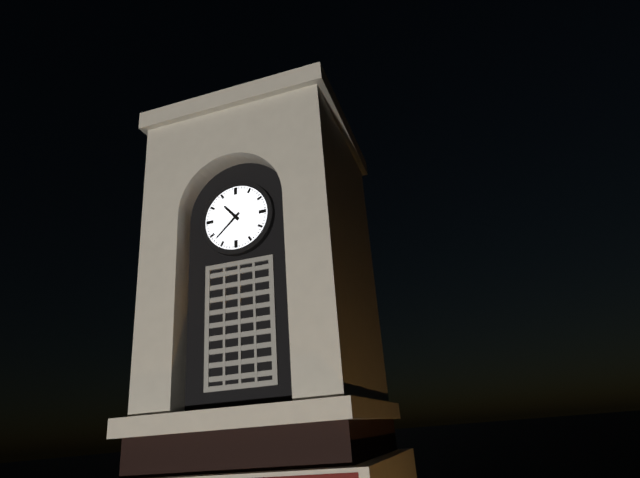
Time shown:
{"hour": 10, "minute": 38}
